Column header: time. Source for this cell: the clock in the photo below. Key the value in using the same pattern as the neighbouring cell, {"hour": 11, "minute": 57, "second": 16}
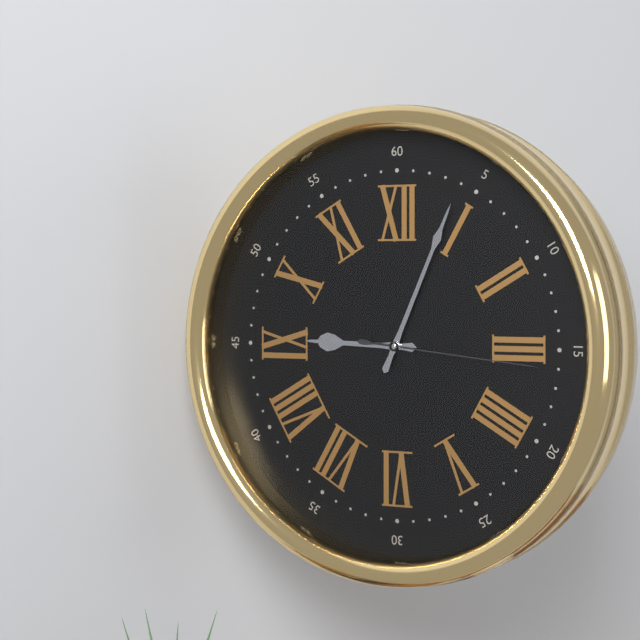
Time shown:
{"hour": 9, "minute": 4, "second": 16}
